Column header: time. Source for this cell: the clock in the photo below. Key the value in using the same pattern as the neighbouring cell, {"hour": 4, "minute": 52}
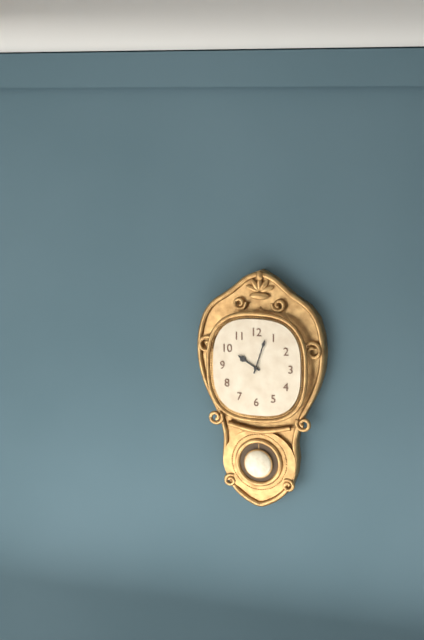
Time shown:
{"hour": 10, "minute": 3}
